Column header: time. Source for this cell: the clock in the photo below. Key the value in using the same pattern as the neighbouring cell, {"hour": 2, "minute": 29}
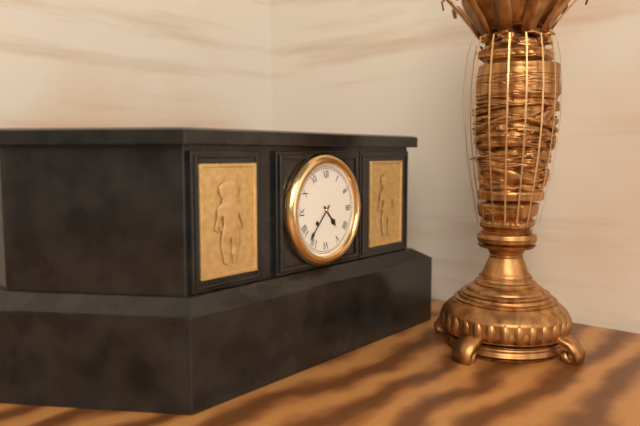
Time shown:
{"hour": 4, "minute": 37}
